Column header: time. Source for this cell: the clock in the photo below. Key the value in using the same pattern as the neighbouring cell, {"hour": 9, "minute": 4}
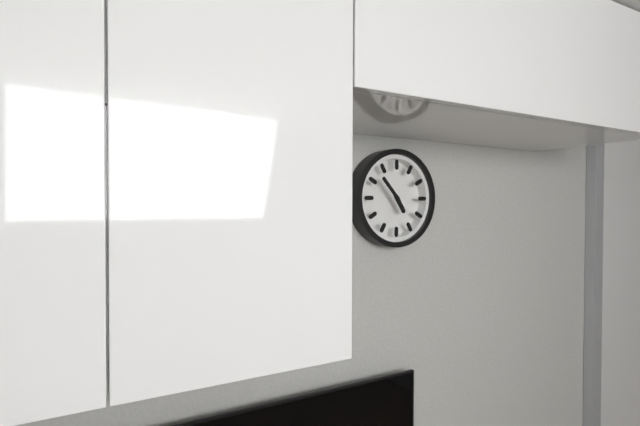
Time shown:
{"hour": 4, "minute": 53}
